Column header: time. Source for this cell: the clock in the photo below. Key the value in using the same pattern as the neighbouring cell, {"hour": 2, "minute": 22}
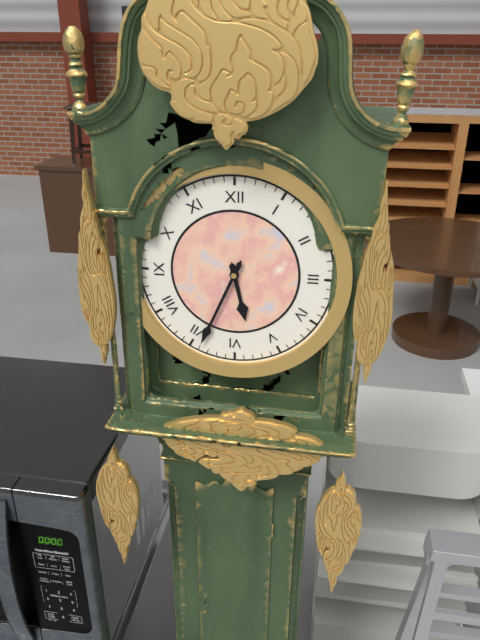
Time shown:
{"hour": 5, "minute": 34}
